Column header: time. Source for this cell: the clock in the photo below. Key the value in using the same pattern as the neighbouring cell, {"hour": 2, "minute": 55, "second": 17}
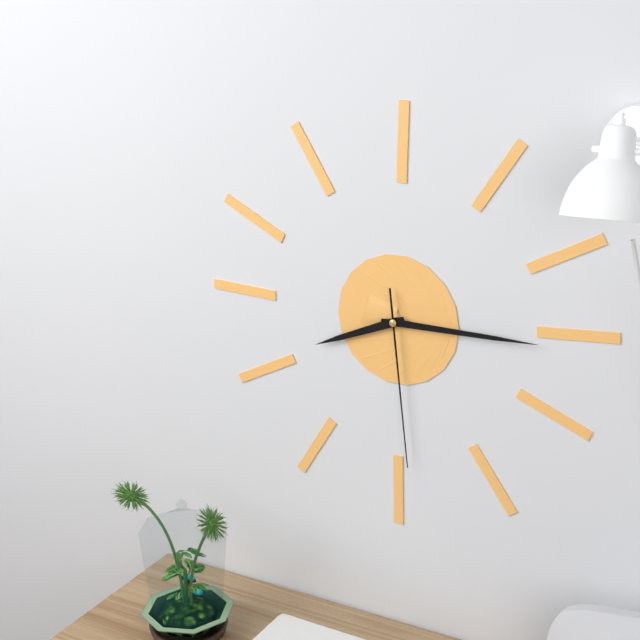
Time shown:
{"hour": 8, "minute": 15, "second": 29}
